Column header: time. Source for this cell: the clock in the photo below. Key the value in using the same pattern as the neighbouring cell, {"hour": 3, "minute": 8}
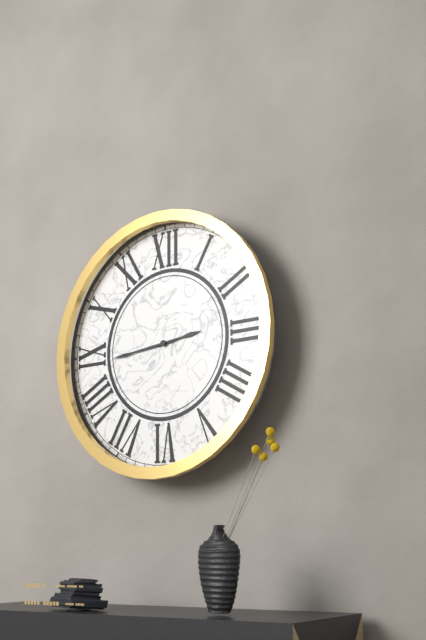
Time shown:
{"hour": 2, "minute": 44}
